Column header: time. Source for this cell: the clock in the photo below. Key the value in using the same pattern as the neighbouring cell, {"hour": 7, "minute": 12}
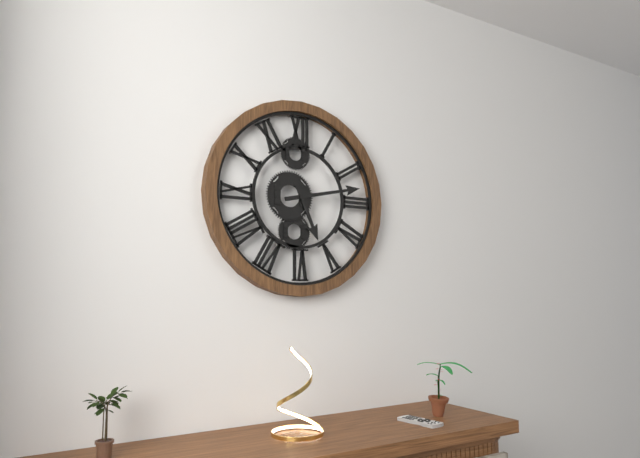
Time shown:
{"hour": 5, "minute": 13}
